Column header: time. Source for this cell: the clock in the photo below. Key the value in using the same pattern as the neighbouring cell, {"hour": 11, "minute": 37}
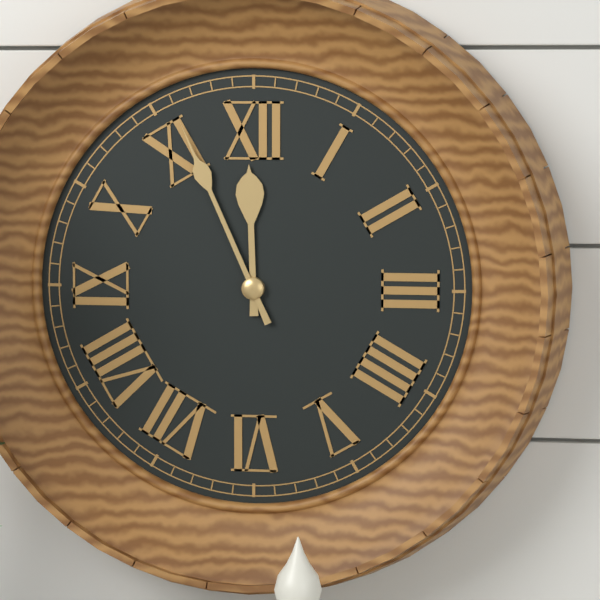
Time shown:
{"hour": 11, "minute": 56}
